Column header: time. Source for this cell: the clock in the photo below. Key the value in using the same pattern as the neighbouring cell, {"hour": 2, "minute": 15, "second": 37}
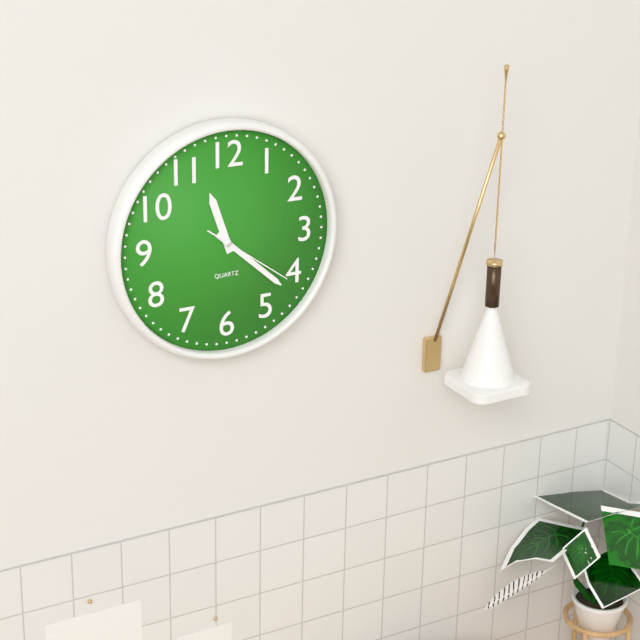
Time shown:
{"hour": 11, "minute": 22, "second": 21}
